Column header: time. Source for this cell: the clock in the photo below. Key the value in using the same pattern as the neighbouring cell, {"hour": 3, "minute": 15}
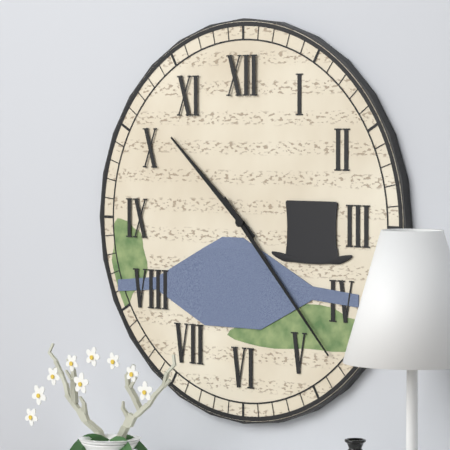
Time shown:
{"hour": 10, "minute": 23}
